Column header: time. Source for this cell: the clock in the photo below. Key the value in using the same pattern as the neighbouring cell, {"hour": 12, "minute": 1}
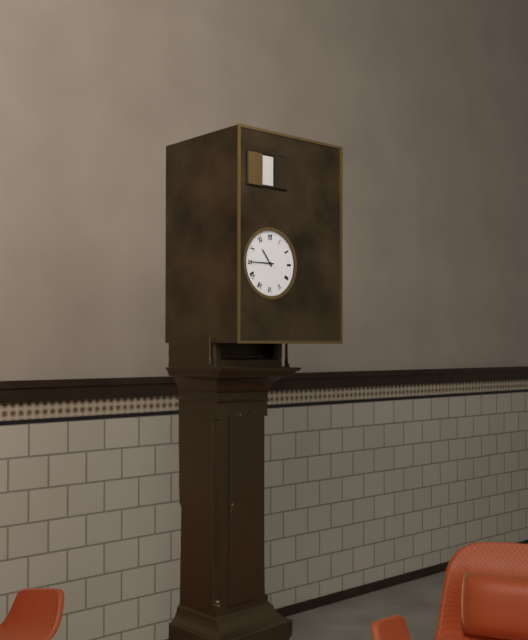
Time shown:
{"hour": 10, "minute": 45}
